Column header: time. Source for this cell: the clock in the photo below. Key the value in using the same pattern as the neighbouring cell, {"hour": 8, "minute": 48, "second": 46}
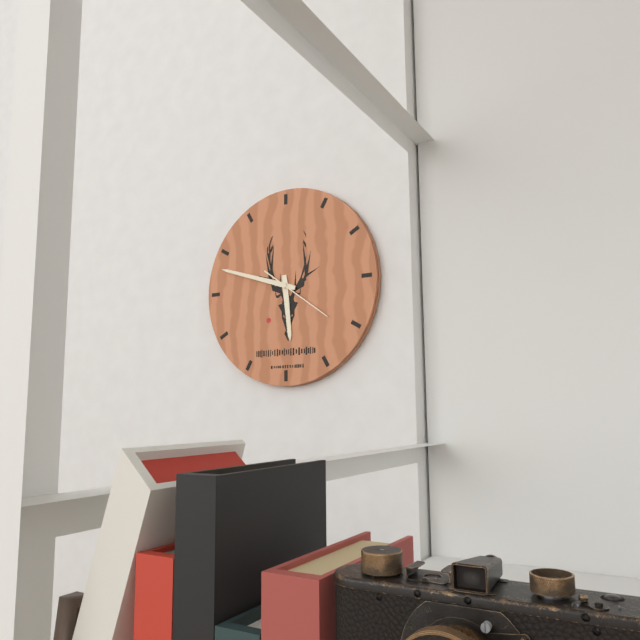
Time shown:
{"hour": 5, "minute": 48, "second": 21}
